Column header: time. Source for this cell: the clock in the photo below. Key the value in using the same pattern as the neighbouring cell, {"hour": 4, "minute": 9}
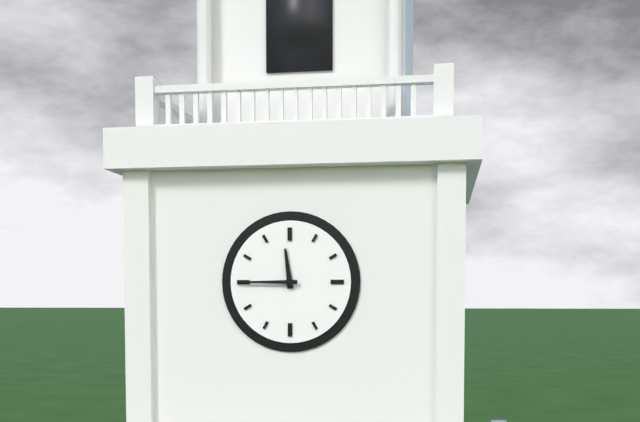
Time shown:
{"hour": 11, "minute": 45}
